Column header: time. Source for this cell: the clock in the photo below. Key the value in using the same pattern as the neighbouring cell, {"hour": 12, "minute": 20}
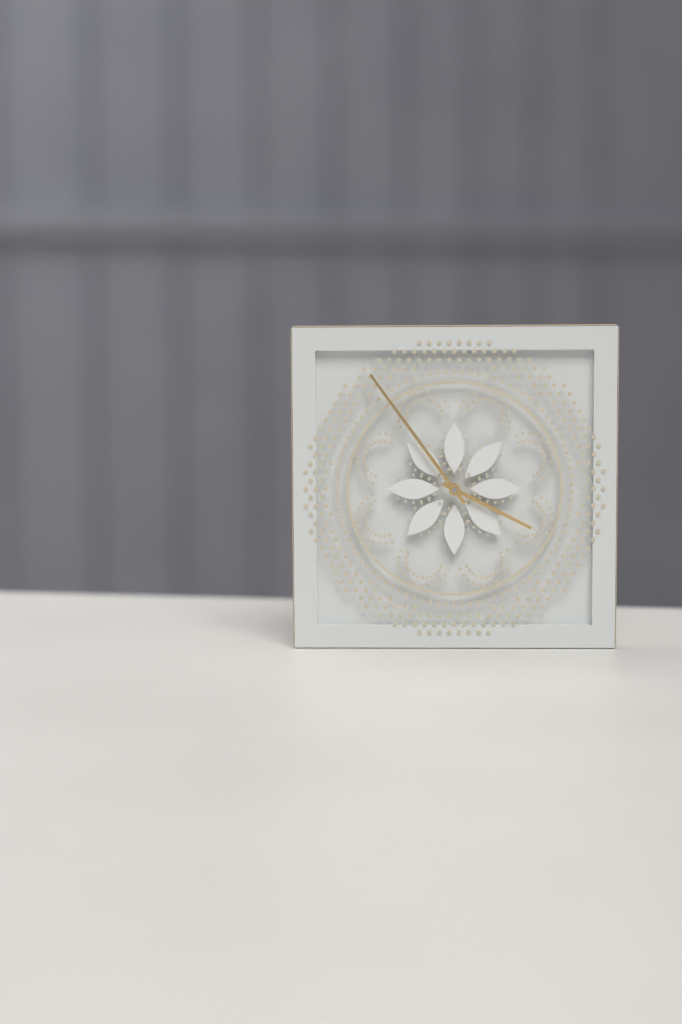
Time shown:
{"hour": 3, "minute": 54}
